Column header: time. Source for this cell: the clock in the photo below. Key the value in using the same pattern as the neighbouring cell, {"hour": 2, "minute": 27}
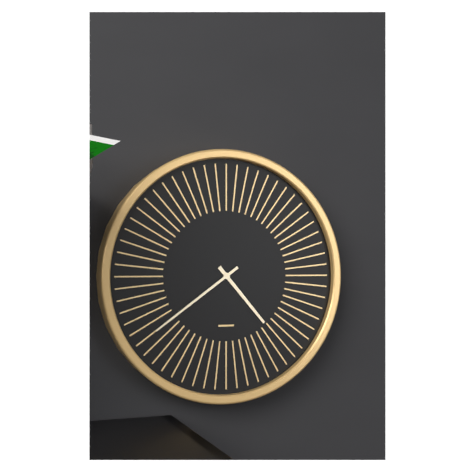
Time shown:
{"hour": 4, "minute": 39}
